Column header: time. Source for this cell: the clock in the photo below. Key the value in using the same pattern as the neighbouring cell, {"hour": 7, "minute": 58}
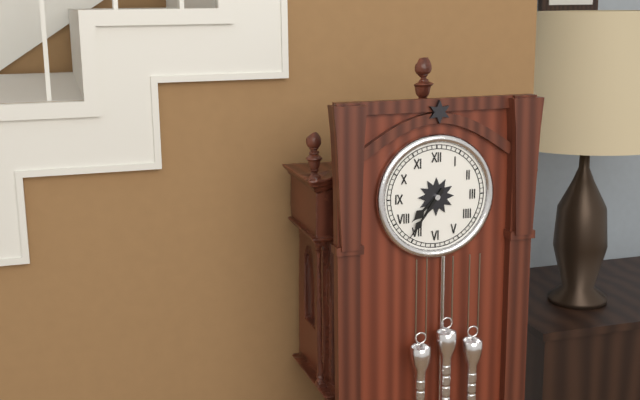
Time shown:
{"hour": 7, "minute": 36}
